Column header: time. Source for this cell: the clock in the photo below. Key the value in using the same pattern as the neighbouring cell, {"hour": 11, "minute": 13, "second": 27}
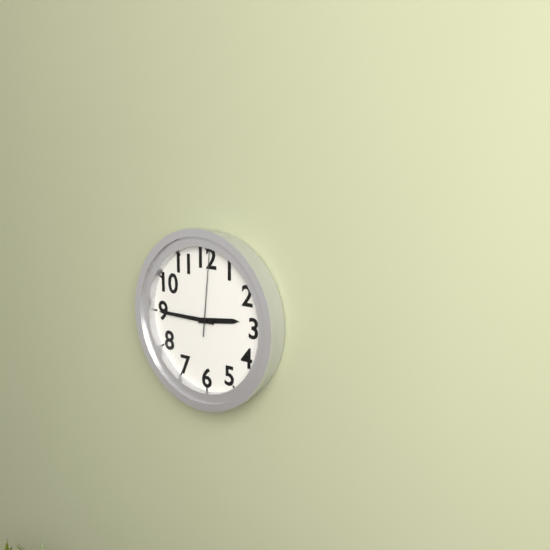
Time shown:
{"hour": 2, "minute": 45, "second": 1}
